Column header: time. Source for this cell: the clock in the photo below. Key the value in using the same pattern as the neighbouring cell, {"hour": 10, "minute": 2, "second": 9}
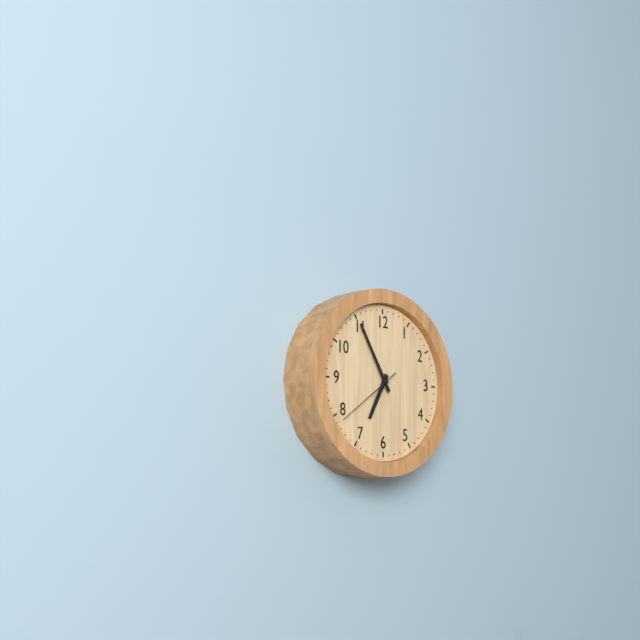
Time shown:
{"hour": 6, "minute": 55, "second": 39}
